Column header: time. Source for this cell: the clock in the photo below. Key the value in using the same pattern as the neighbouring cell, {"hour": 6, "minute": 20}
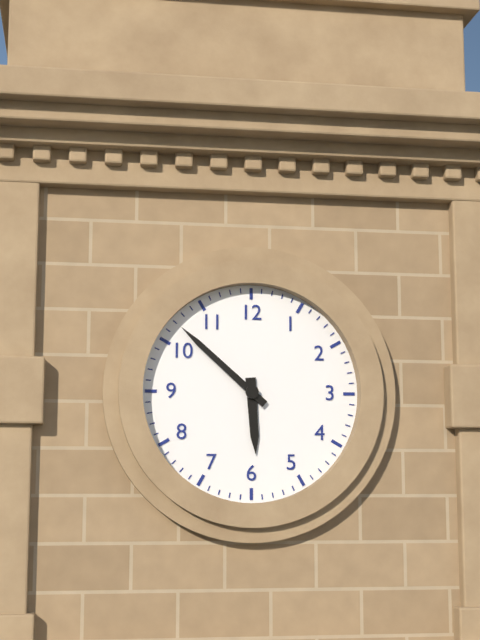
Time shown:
{"hour": 5, "minute": 52}
